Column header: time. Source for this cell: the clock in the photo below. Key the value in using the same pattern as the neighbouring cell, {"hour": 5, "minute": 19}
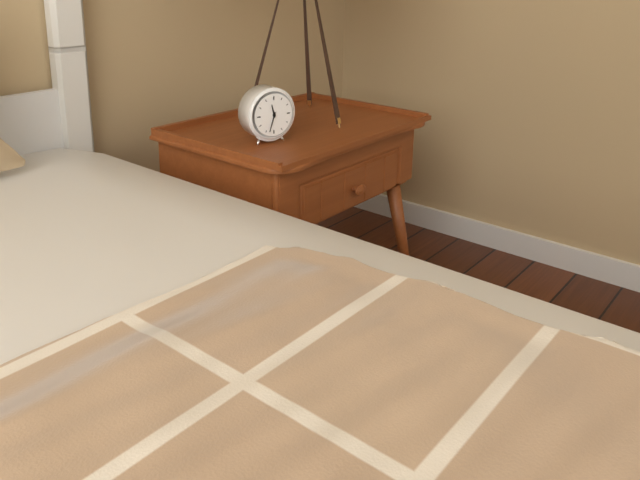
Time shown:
{"hour": 11, "minute": 33}
